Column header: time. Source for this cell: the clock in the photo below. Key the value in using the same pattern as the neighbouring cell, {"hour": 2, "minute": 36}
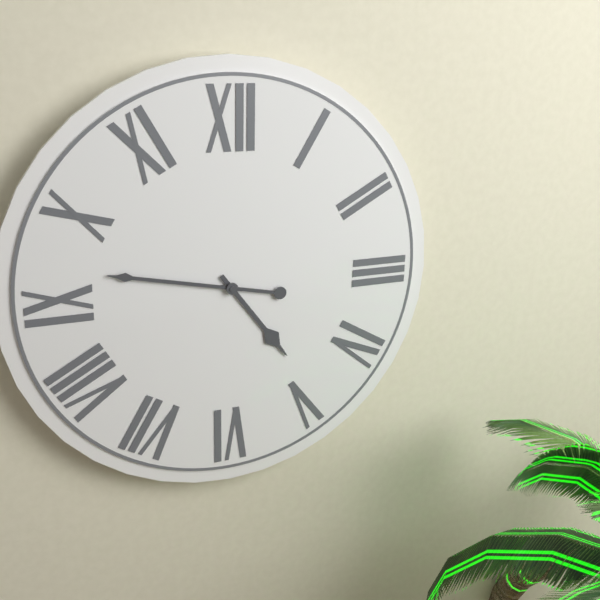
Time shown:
{"hour": 4, "minute": 47}
